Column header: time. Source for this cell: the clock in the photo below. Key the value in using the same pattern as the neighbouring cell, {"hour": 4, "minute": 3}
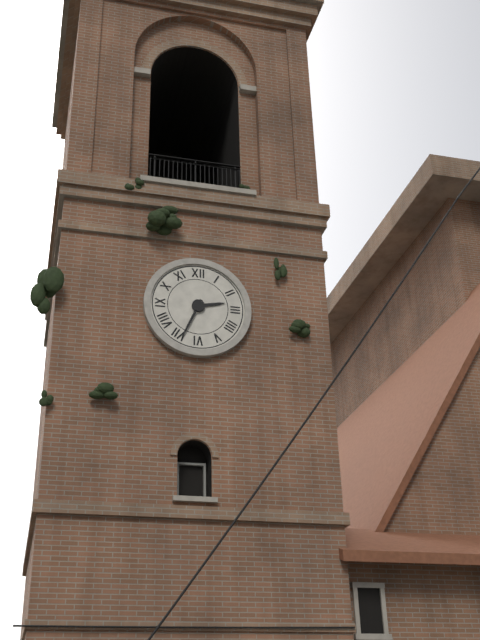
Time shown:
{"hour": 2, "minute": 34}
